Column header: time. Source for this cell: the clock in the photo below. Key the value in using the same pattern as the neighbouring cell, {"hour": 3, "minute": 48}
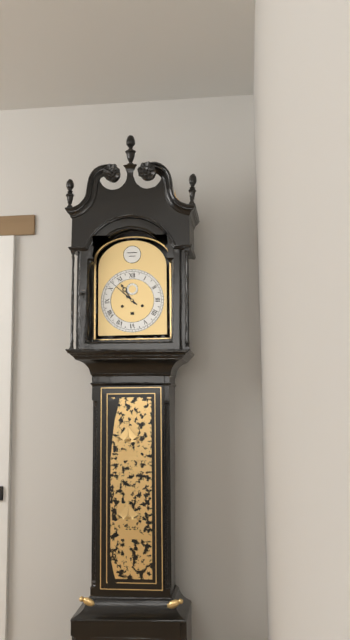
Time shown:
{"hour": 10, "minute": 52}
